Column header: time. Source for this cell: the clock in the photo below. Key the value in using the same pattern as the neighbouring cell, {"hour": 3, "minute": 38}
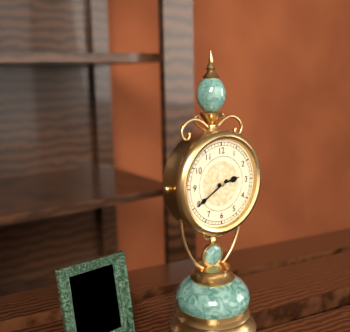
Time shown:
{"hour": 2, "minute": 40}
